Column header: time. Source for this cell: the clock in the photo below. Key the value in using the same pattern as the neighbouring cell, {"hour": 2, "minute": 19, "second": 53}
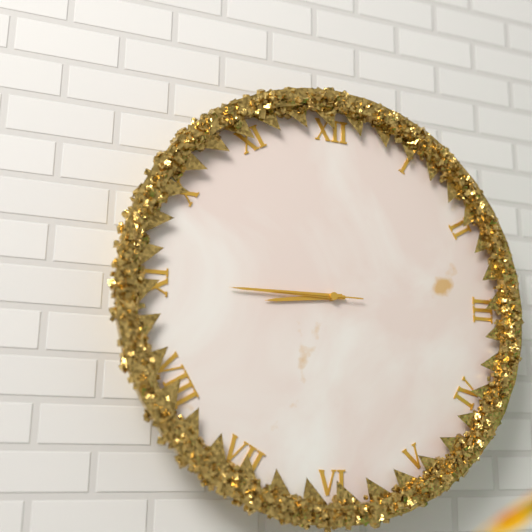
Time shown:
{"hour": 8, "minute": 45, "second": 45}
